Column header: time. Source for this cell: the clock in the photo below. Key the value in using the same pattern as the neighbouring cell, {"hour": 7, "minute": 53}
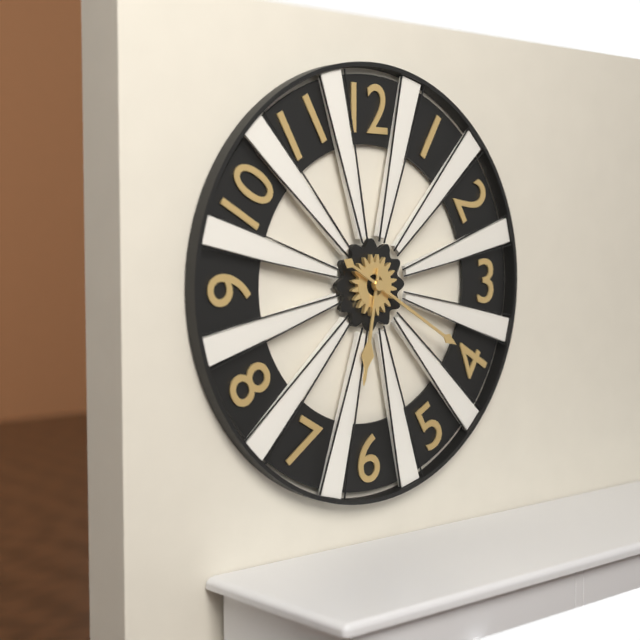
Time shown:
{"hour": 6, "minute": 20}
